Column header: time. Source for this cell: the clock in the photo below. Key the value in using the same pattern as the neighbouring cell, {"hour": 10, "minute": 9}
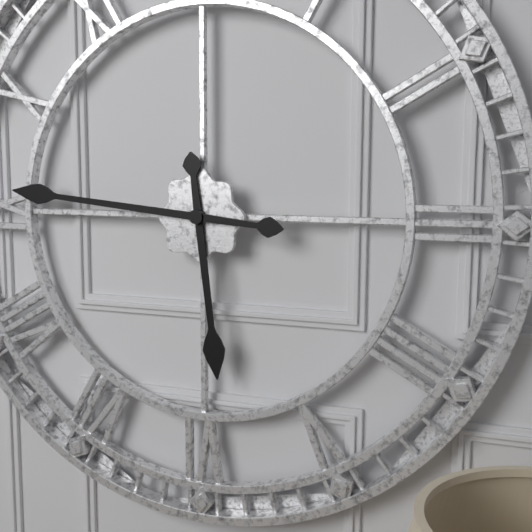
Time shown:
{"hour": 5, "minute": 46}
